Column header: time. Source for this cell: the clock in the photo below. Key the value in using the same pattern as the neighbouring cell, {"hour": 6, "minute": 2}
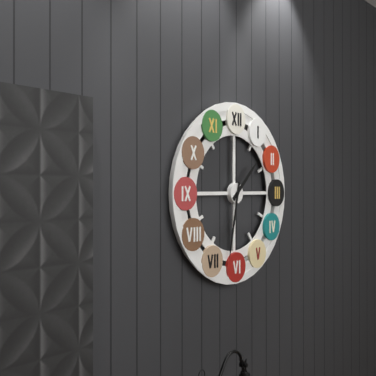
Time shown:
{"hour": 1, "minute": 32}
